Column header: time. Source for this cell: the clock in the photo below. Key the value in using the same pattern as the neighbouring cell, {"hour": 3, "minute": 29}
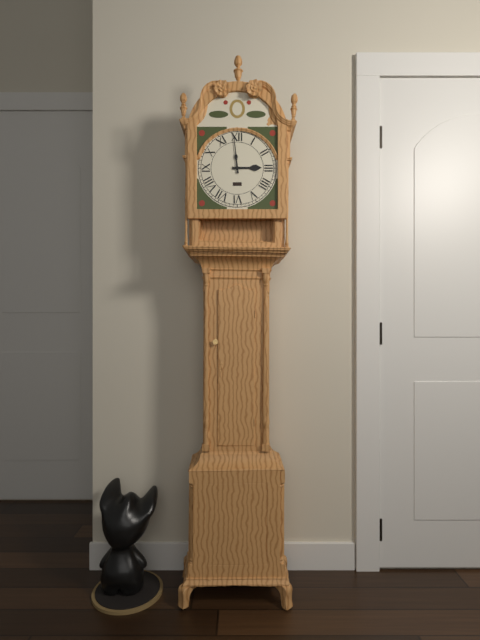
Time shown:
{"hour": 2, "minute": 59}
